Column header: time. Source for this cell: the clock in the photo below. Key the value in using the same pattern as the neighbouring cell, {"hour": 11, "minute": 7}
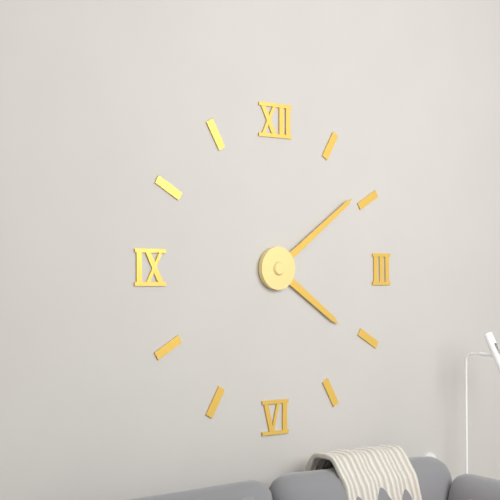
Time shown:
{"hour": 4, "minute": 9}
